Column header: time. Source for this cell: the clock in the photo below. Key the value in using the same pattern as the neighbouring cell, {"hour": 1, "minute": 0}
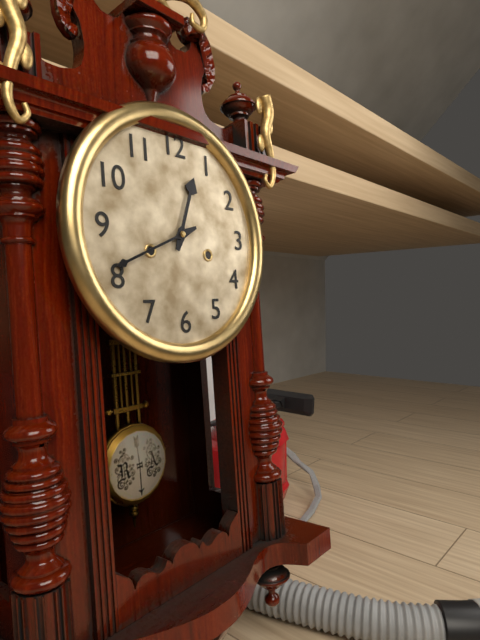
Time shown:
{"hour": 12, "minute": 41}
